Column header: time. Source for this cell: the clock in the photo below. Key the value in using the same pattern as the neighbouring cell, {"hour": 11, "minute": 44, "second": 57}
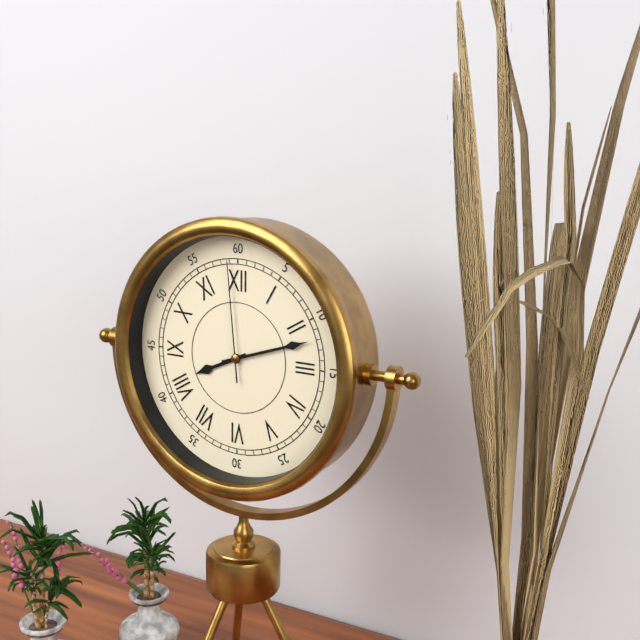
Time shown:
{"hour": 8, "minute": 12, "second": 59}
